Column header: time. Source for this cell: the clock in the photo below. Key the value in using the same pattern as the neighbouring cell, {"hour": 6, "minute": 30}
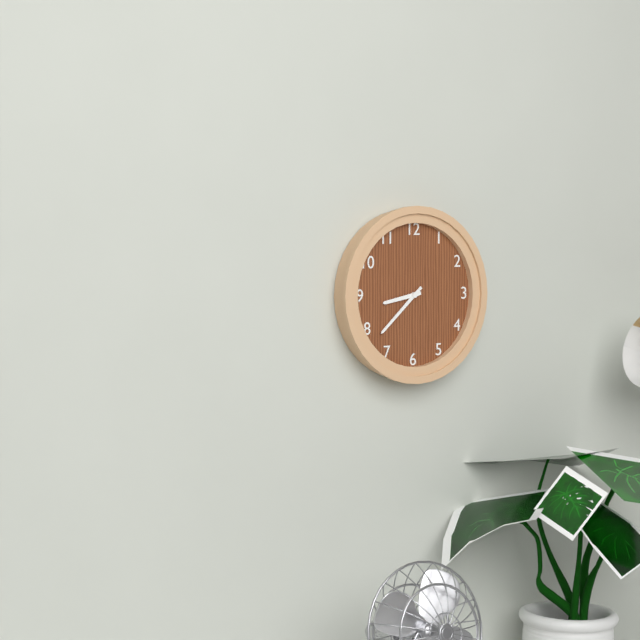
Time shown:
{"hour": 8, "minute": 38}
